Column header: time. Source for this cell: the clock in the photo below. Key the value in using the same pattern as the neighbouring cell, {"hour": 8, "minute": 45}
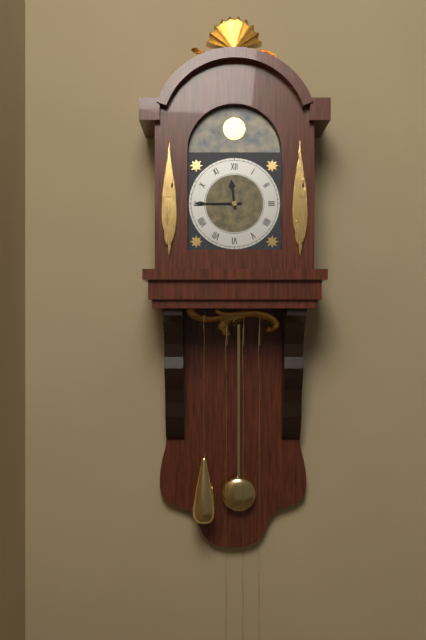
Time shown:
{"hour": 11, "minute": 45}
